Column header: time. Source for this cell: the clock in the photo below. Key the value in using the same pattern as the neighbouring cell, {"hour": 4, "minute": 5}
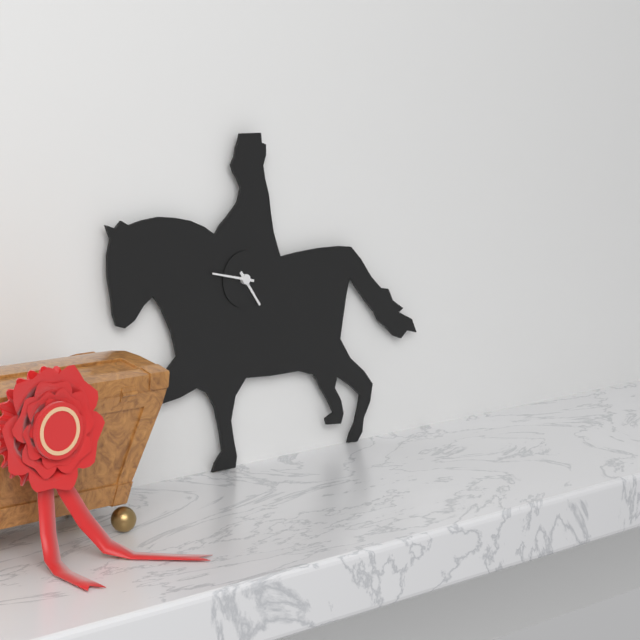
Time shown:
{"hour": 4, "minute": 47}
